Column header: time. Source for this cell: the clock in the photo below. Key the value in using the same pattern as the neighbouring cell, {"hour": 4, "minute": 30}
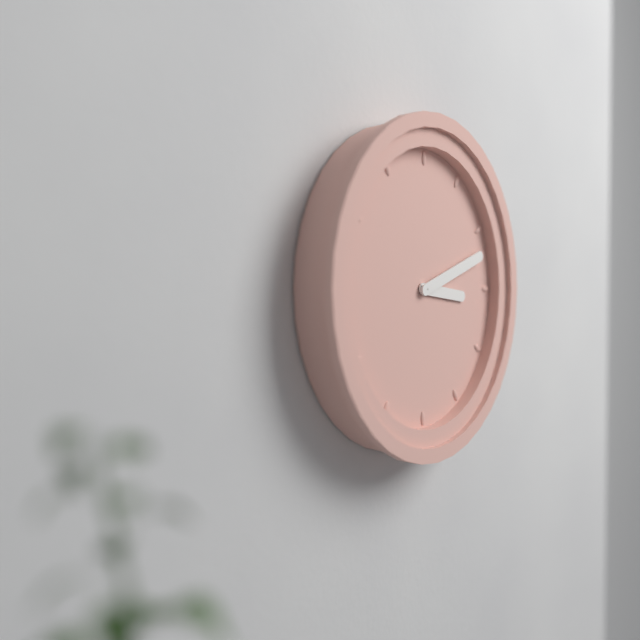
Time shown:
{"hour": 3, "minute": 12}
